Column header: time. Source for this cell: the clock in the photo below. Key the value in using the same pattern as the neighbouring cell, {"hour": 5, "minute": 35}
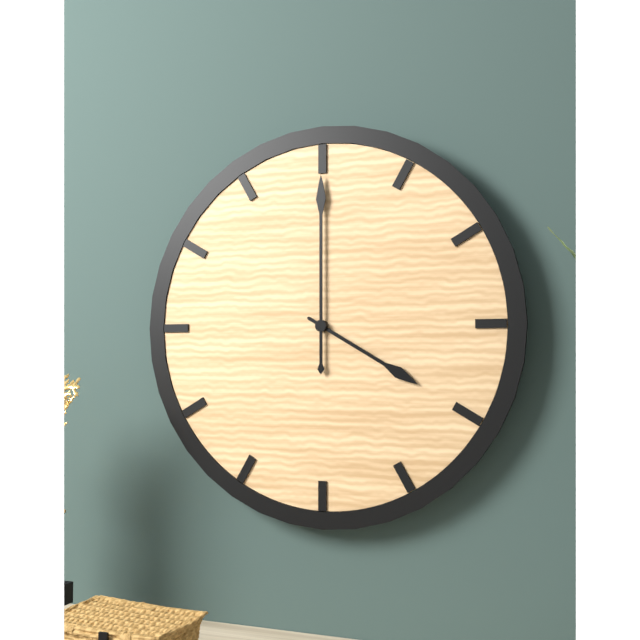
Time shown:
{"hour": 4, "minute": 0}
